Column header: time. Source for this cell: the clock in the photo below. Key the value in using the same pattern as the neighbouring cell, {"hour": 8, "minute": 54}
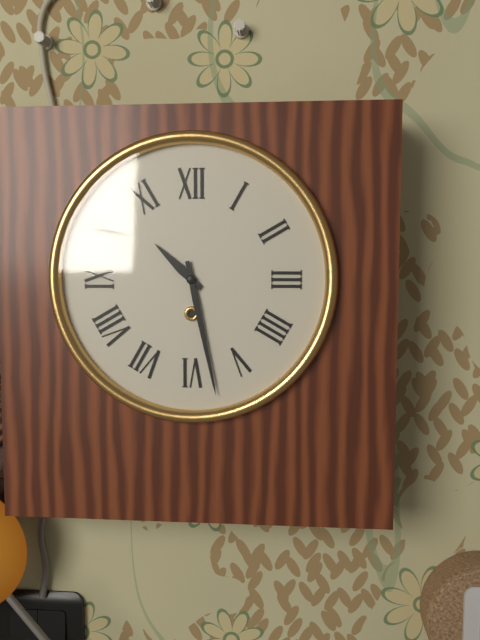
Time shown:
{"hour": 10, "minute": 28}
